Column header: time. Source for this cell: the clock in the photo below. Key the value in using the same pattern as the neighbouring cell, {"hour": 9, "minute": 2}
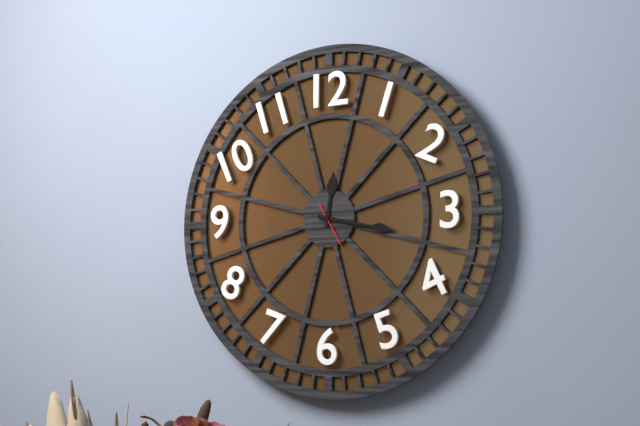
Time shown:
{"hour": 12, "minute": 17}
